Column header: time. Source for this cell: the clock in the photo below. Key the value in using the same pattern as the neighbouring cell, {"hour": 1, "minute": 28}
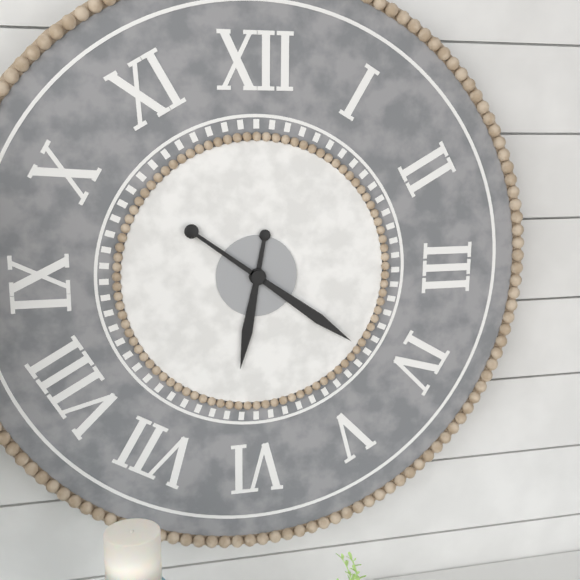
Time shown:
{"hour": 6, "minute": 21}
